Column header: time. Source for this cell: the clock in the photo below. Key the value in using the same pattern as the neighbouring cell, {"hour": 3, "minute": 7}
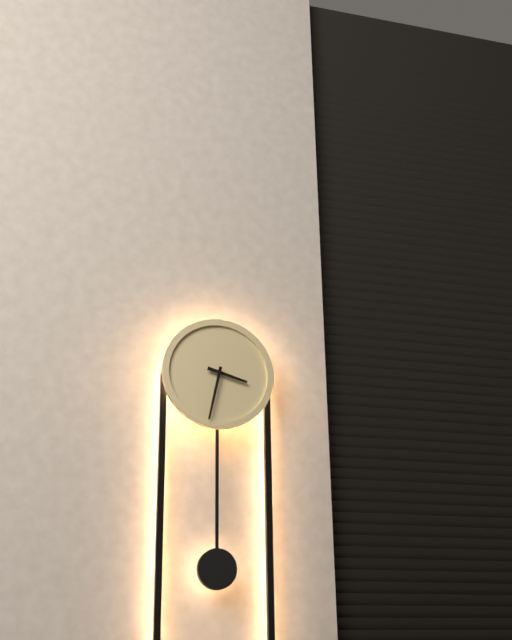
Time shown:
{"hour": 3, "minute": 32}
